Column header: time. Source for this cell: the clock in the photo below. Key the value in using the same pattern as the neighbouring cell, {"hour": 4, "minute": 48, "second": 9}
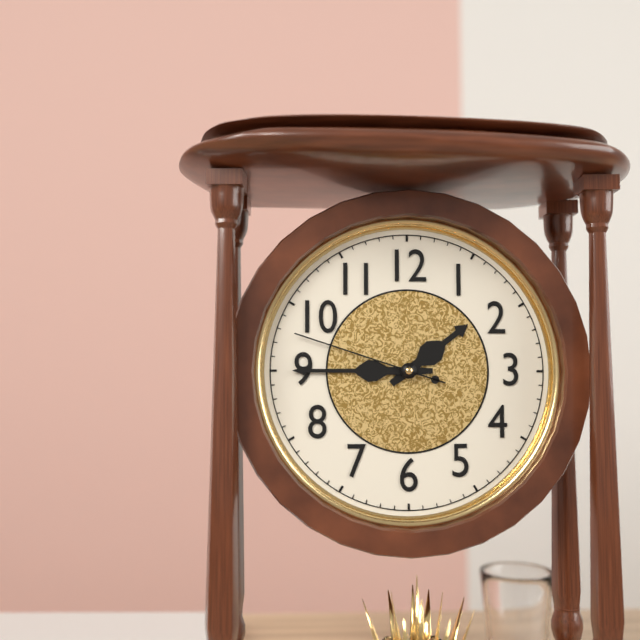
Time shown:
{"hour": 1, "minute": 45, "second": 48}
